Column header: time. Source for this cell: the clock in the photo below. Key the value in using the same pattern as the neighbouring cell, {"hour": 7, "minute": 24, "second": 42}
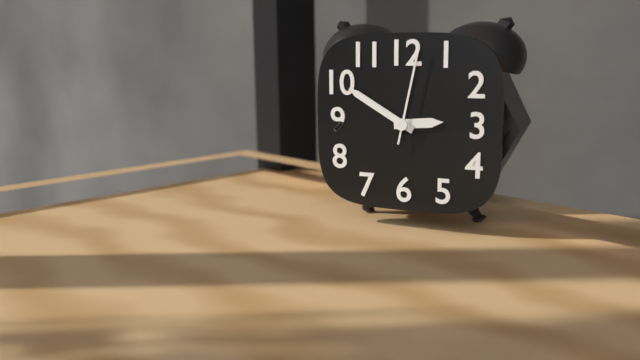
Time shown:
{"hour": 2, "minute": 50, "second": 2}
